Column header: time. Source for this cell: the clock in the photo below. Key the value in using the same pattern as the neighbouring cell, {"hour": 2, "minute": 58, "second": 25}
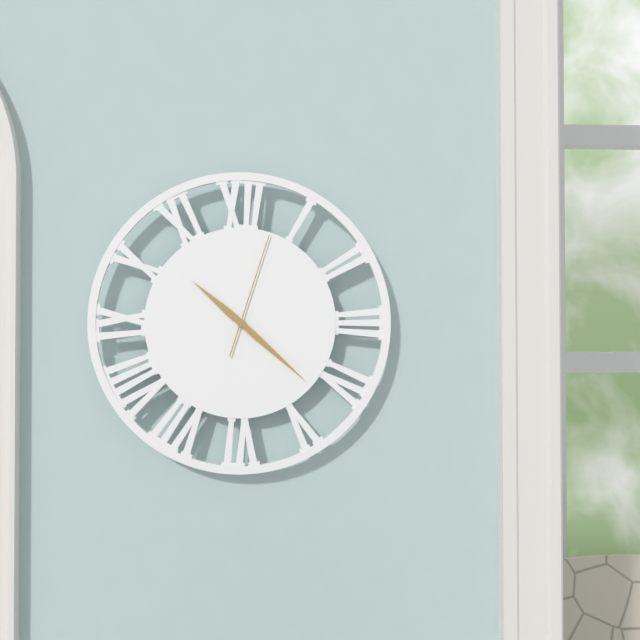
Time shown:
{"hour": 10, "minute": 22, "second": 3}
